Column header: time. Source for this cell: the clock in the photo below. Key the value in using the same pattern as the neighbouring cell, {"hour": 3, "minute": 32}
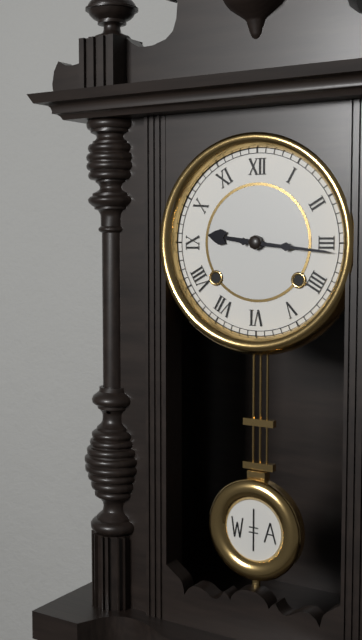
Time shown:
{"hour": 9, "minute": 16}
